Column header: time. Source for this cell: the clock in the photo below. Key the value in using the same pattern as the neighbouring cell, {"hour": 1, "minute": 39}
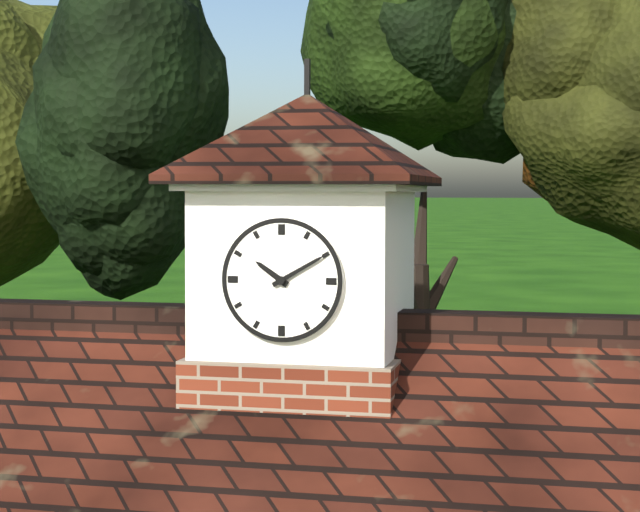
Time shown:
{"hour": 10, "minute": 10}
